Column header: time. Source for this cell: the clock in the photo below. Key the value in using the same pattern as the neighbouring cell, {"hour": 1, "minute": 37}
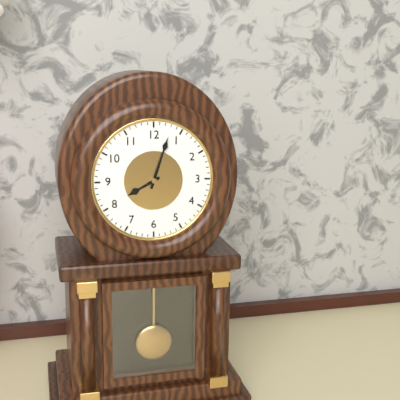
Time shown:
{"hour": 8, "minute": 3}
